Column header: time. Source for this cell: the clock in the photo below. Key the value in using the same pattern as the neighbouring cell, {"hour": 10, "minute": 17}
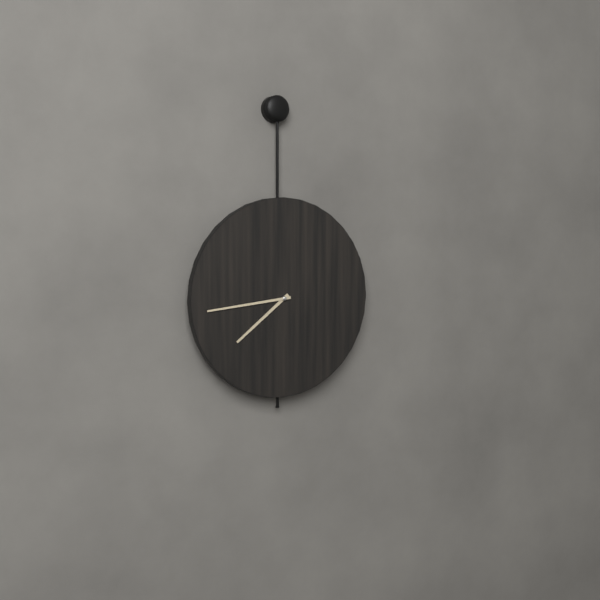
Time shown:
{"hour": 7, "minute": 44}
